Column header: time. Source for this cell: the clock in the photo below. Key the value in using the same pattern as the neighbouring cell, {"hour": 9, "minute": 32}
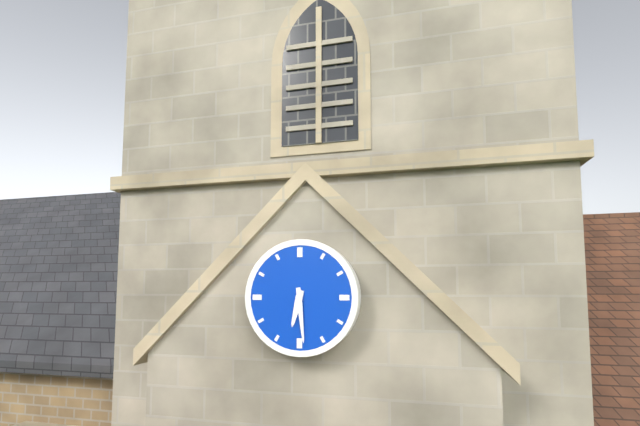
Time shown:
{"hour": 6, "minute": 29}
